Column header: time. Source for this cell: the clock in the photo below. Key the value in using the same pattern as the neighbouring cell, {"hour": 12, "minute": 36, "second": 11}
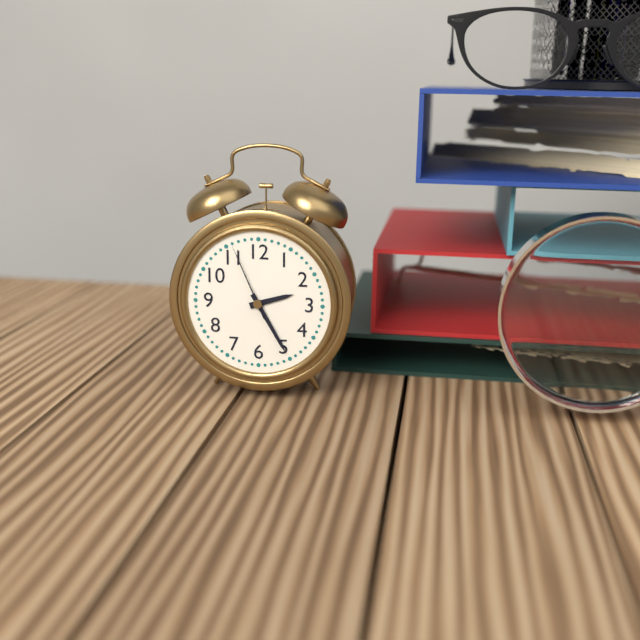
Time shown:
{"hour": 2, "minute": 25, "second": 56}
